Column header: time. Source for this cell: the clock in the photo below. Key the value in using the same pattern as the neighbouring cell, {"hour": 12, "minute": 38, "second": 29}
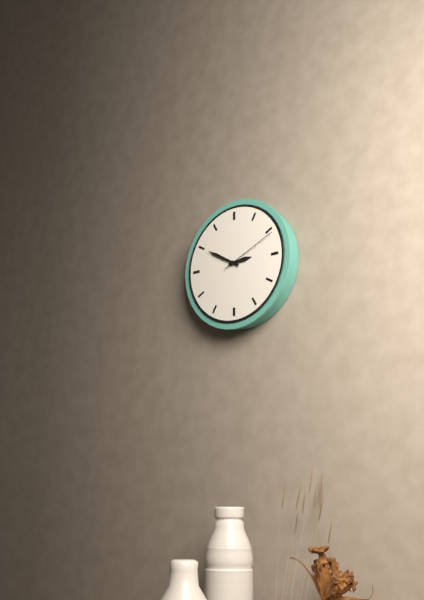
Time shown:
{"hour": 2, "minute": 50, "second": 11}
